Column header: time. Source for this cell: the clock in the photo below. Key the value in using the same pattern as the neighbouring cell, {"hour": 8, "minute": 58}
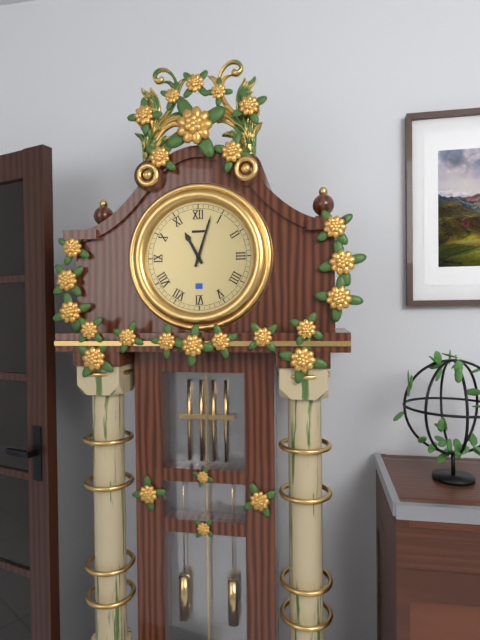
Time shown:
{"hour": 11, "minute": 3}
